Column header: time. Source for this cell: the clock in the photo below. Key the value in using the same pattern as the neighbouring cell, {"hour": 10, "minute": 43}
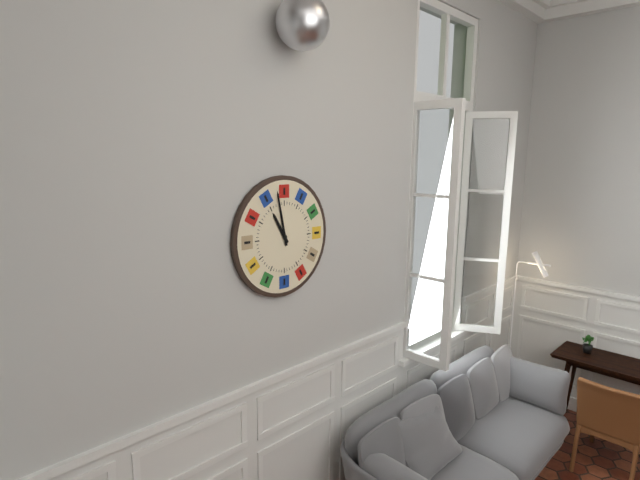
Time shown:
{"hour": 10, "minute": 58}
